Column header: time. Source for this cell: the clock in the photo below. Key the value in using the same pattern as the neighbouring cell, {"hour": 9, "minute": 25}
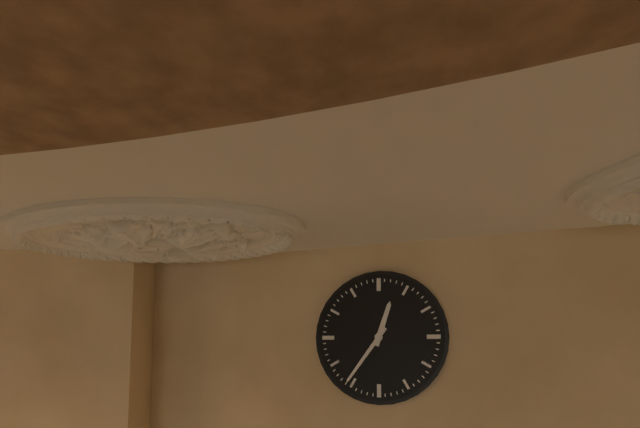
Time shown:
{"hour": 12, "minute": 36}
